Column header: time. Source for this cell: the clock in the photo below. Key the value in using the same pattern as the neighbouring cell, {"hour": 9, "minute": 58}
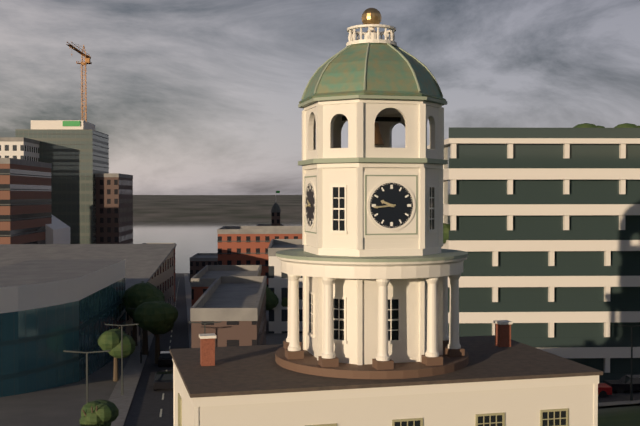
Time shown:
{"hour": 9, "minute": 44}
